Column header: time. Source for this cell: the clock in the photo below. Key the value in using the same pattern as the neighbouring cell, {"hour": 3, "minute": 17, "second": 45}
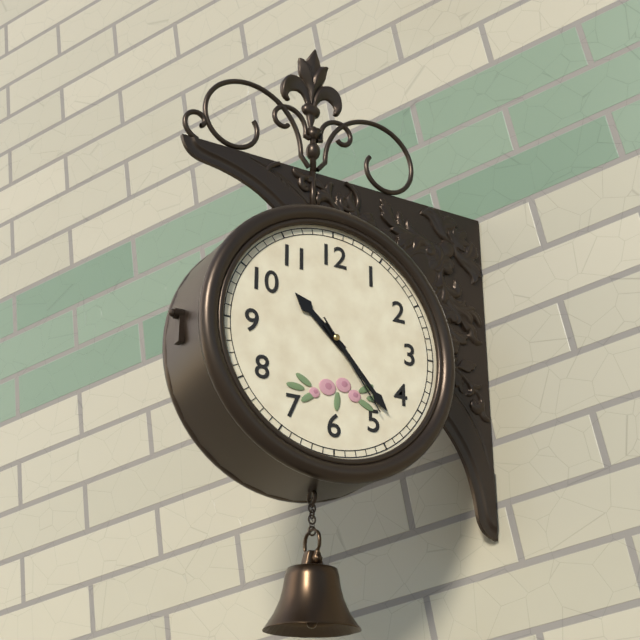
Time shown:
{"hour": 10, "minute": 23, "second": 24}
